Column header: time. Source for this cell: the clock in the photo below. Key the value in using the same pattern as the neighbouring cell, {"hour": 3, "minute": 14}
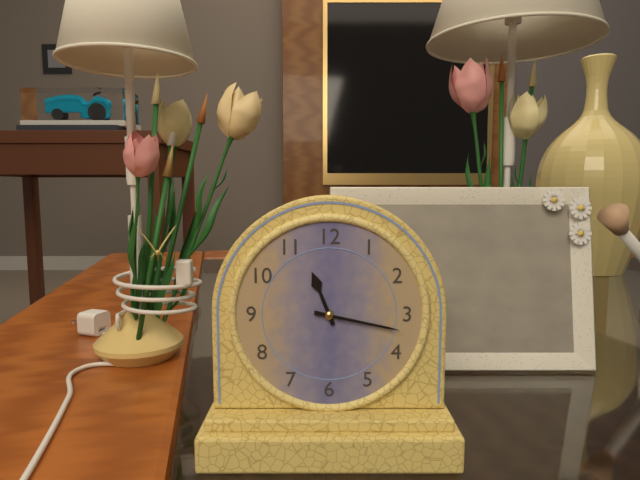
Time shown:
{"hour": 11, "minute": 17}
